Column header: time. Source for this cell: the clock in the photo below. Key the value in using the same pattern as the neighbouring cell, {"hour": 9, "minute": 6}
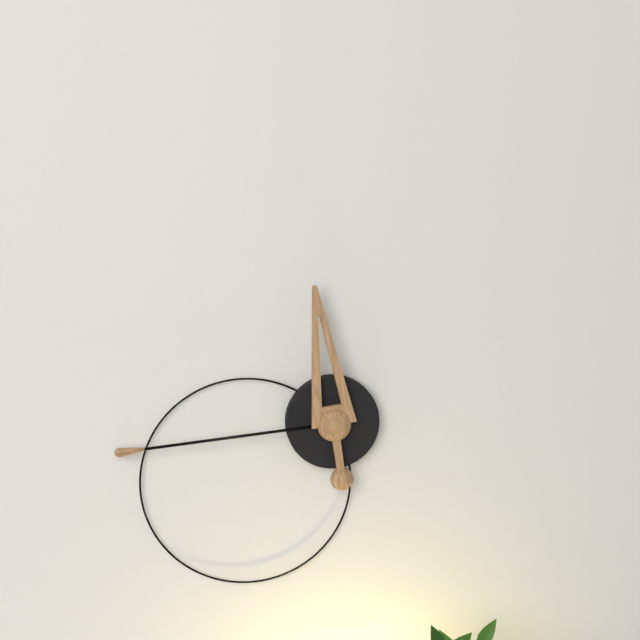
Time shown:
{"hour": 11, "minute": 44}
